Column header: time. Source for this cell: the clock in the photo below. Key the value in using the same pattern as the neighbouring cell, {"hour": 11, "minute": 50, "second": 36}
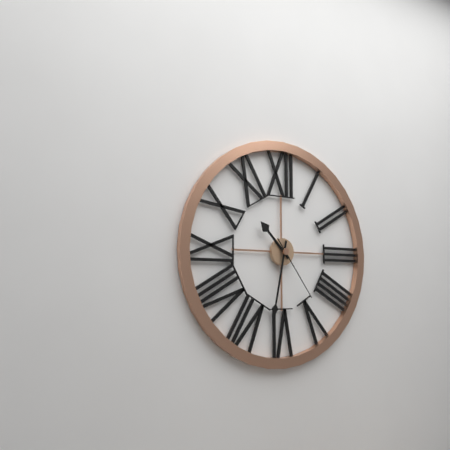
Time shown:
{"hour": 10, "minute": 32, "second": 24}
